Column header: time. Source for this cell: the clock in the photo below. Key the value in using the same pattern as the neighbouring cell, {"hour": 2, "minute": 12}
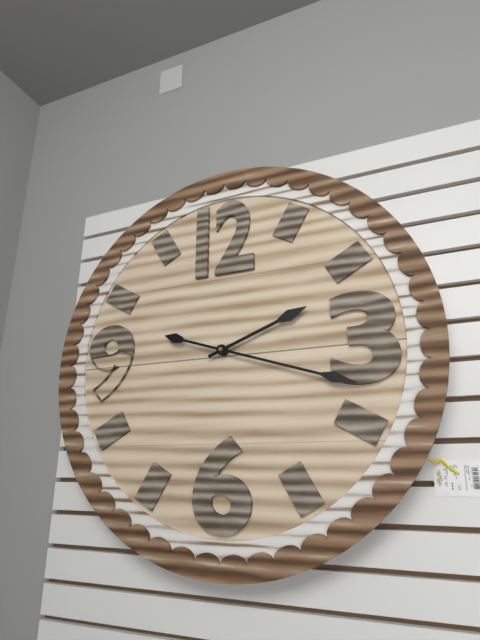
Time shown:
{"hour": 2, "minute": 18}
